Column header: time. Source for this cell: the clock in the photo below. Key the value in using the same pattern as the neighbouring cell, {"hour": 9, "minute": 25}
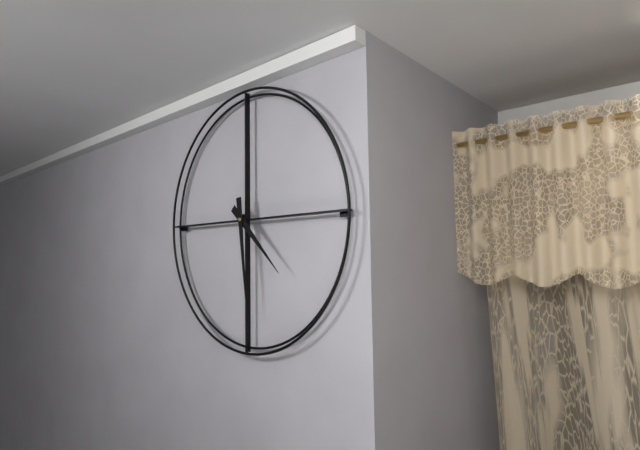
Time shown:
{"hour": 4, "minute": 29}
